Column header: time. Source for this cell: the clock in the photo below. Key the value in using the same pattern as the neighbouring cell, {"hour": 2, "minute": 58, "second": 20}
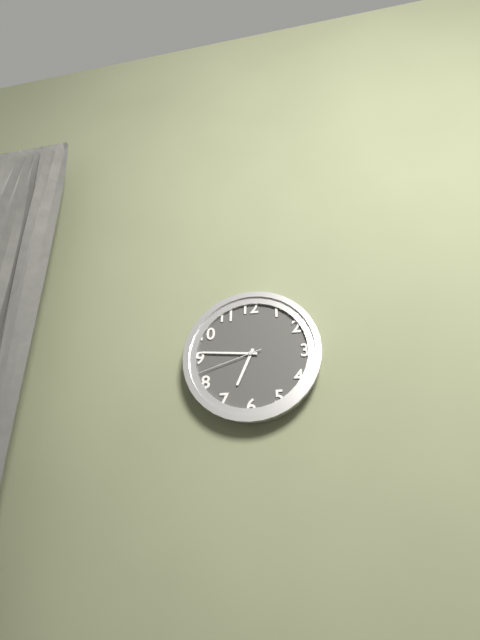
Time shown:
{"hour": 6, "minute": 46, "second": 42}
